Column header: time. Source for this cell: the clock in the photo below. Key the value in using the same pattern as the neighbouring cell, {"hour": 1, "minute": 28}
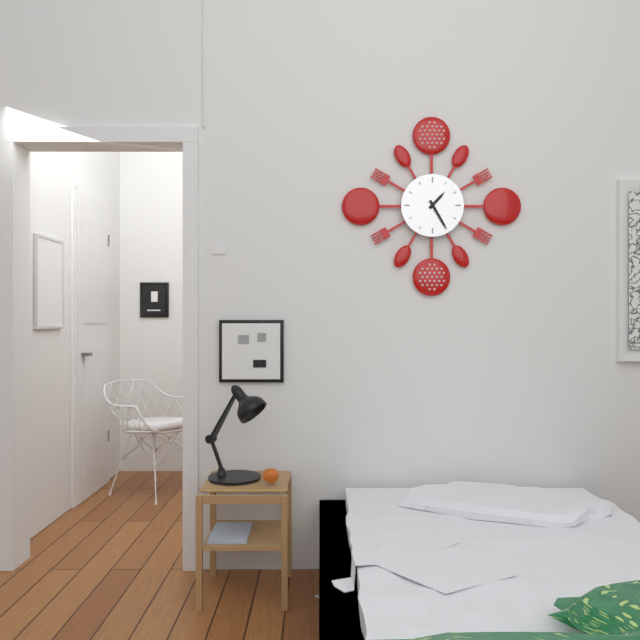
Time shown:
{"hour": 1, "minute": 25}
